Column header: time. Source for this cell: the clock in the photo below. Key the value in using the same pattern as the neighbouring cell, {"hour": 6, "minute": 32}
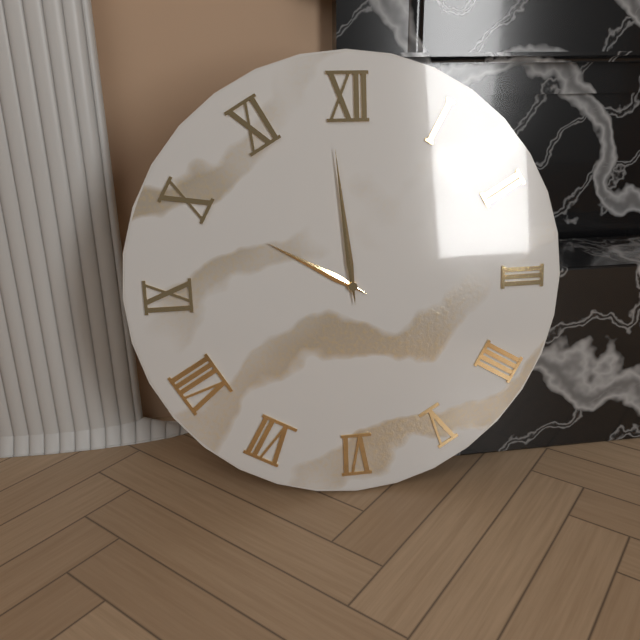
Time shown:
{"hour": 9, "minute": 59}
